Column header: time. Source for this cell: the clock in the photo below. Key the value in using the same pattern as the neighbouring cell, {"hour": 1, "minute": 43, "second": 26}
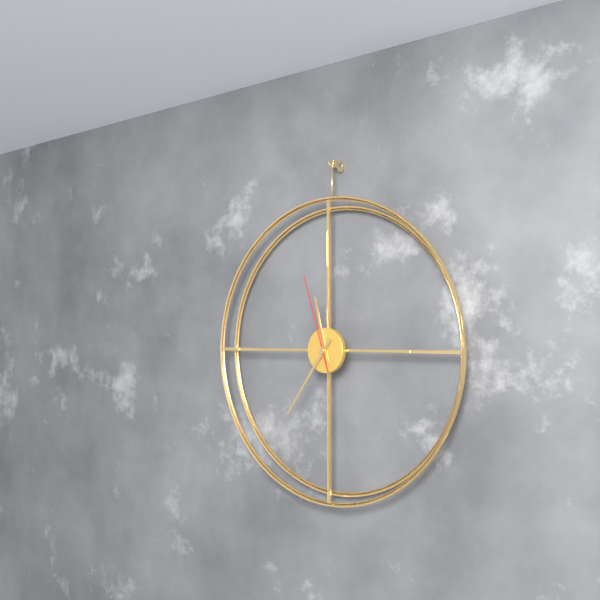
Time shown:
{"hour": 11, "minute": 36, "second": 57}
